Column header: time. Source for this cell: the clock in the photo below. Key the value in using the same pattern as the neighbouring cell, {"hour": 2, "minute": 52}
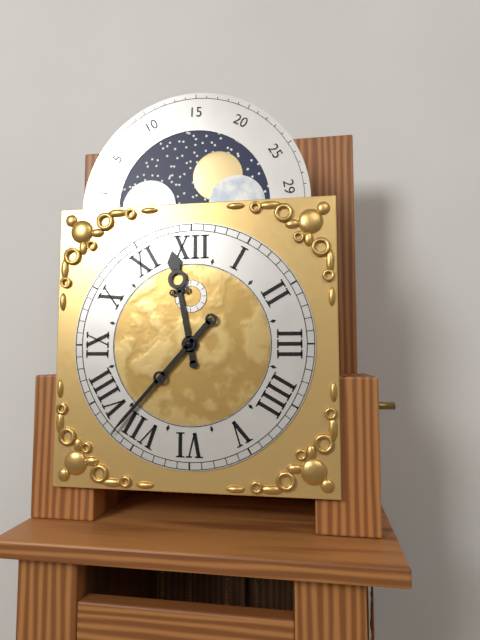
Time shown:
{"hour": 11, "minute": 37}
